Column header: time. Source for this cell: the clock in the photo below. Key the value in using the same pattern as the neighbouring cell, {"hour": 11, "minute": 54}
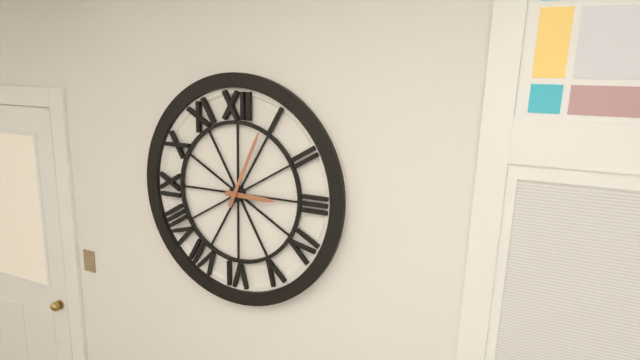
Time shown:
{"hour": 3, "minute": 4}
